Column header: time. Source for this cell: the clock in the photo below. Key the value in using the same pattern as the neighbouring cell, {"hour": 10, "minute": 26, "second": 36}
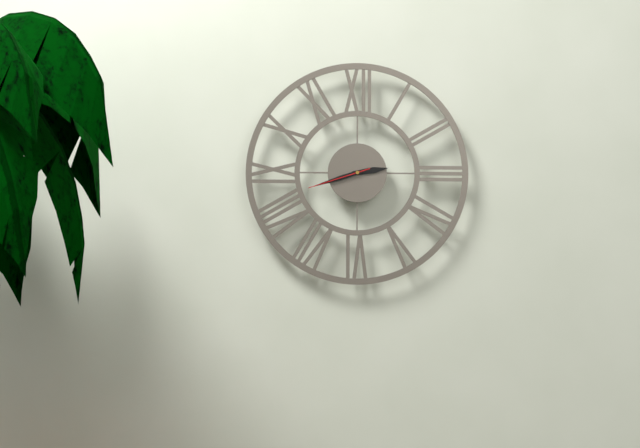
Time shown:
{"hour": 2, "minute": 42, "second": 42}
